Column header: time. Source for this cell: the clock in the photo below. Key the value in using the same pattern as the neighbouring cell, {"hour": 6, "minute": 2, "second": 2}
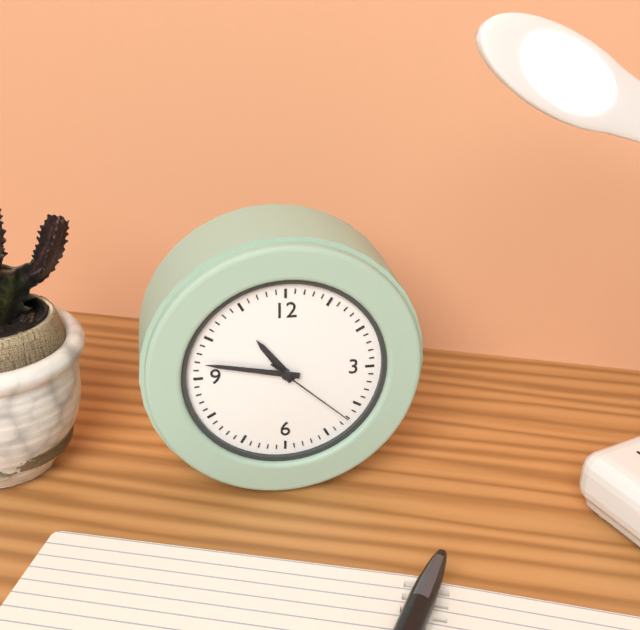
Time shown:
{"hour": 10, "minute": 47, "second": 22}
